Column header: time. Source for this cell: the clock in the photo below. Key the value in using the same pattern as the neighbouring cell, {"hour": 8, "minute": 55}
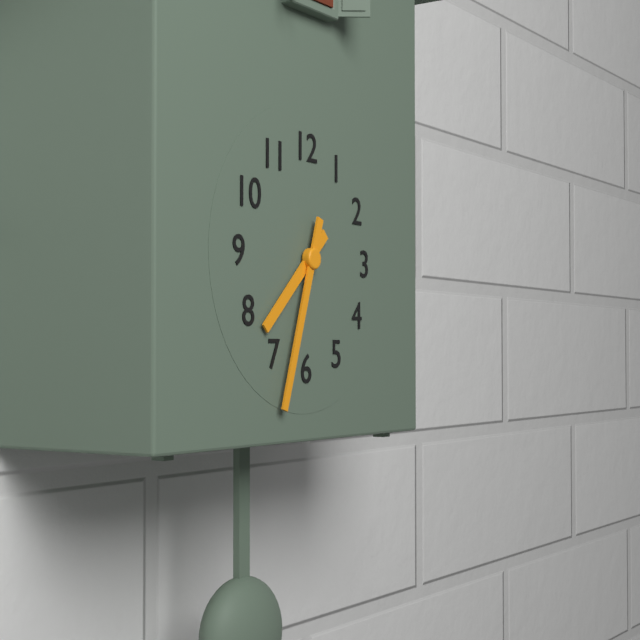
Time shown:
{"hour": 7, "minute": 33}
